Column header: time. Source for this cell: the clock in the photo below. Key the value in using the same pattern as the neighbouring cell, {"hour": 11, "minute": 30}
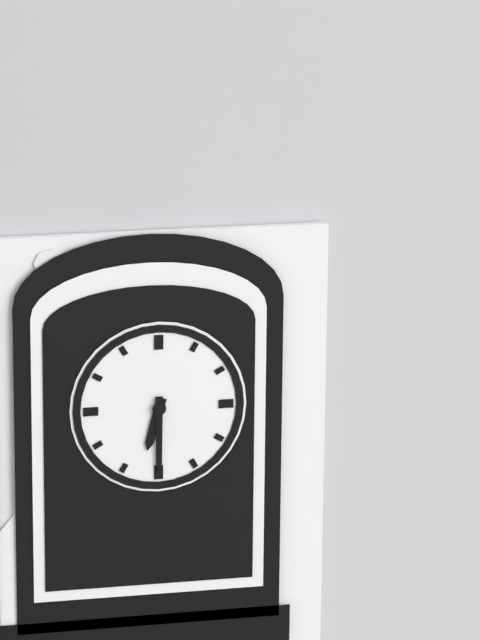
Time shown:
{"hour": 6, "minute": 30}
